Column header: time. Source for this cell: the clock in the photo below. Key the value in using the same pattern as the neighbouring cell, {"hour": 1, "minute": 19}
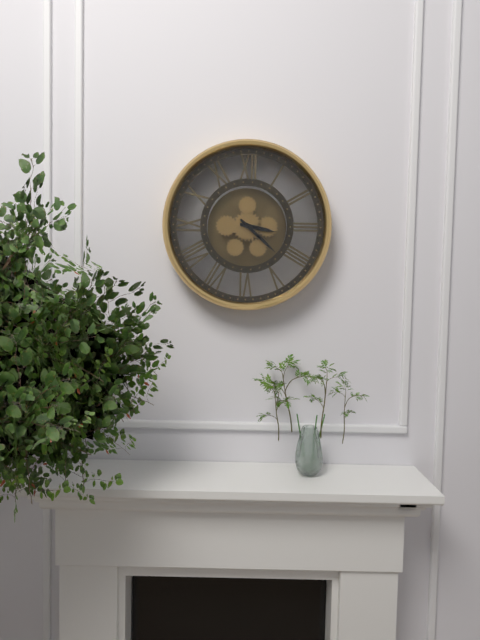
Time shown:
{"hour": 3, "minute": 22}
